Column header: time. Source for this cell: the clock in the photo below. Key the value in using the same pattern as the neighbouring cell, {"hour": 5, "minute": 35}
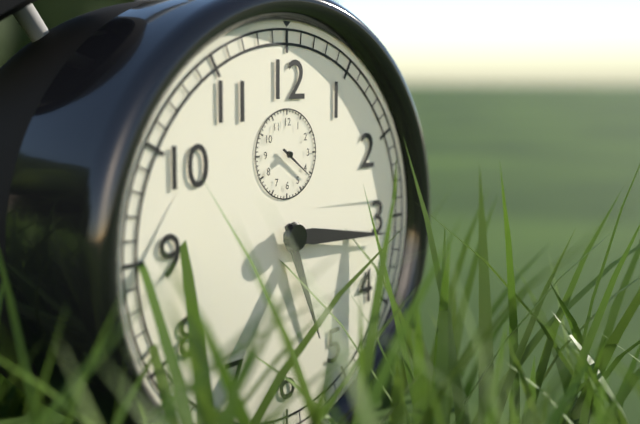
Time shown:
{"hour": 5, "minute": 16}
